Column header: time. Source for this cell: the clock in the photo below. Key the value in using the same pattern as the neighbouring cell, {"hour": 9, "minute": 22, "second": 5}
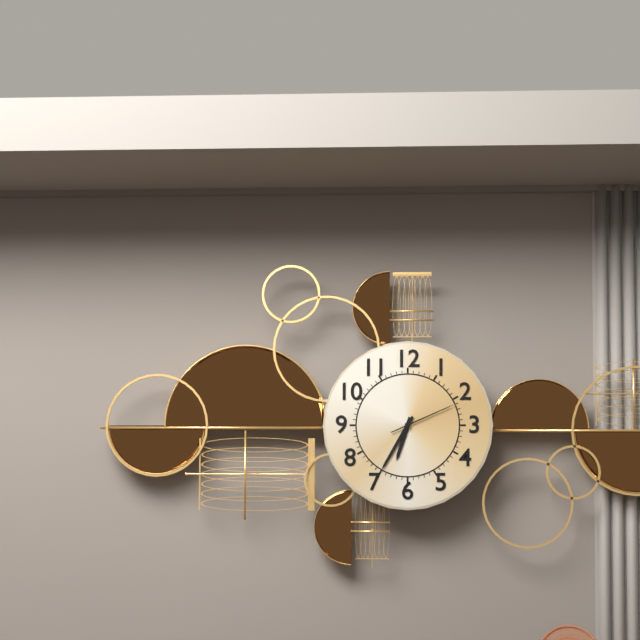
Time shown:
{"hour": 6, "minute": 35, "second": 11}
